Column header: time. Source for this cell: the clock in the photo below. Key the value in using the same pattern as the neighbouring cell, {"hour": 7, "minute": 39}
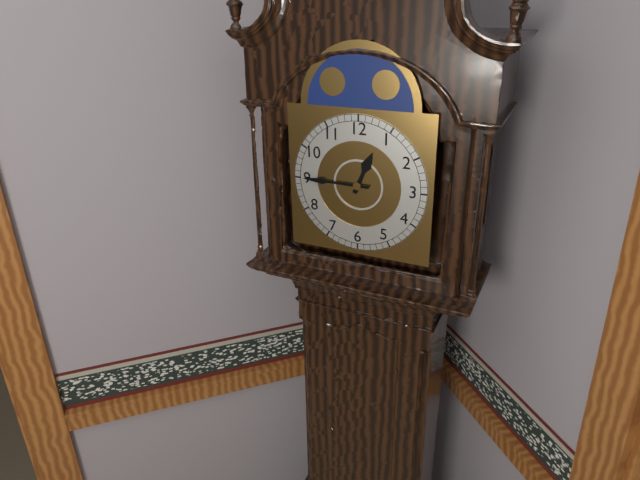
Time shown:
{"hour": 12, "minute": 45}
